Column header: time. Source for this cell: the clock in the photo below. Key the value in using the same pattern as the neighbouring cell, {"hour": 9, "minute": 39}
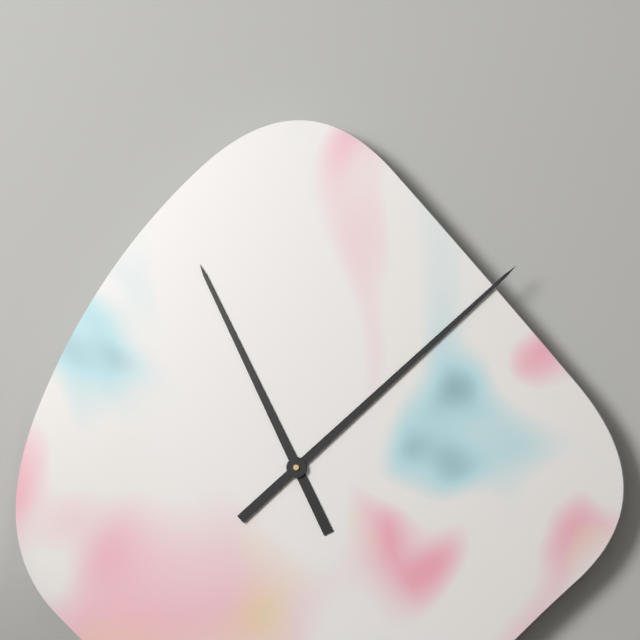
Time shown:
{"hour": 11, "minute": 8}
